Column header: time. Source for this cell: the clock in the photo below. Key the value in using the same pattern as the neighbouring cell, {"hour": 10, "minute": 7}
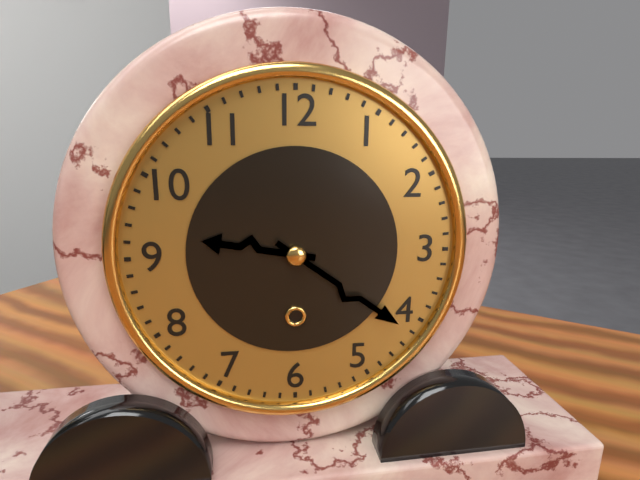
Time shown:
{"hour": 9, "minute": 21}
